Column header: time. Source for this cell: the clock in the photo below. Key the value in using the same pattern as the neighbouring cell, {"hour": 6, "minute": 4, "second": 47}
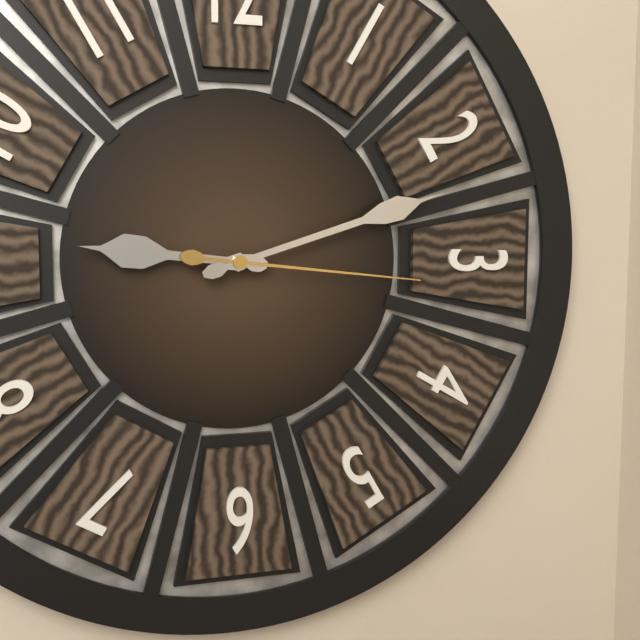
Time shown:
{"hour": 9, "minute": 12, "second": 16}
